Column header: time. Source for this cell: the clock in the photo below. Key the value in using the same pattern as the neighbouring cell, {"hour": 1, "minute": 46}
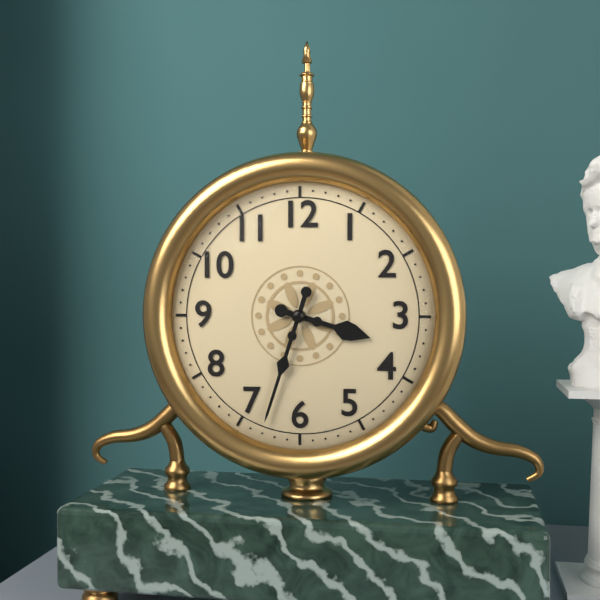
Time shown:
{"hour": 3, "minute": 33}
